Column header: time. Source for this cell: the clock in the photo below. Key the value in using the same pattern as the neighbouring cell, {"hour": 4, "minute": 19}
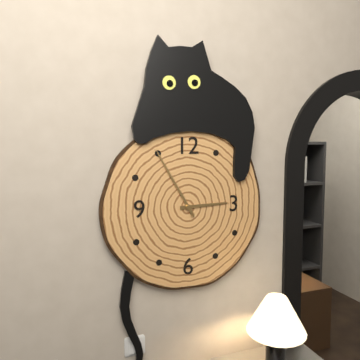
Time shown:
{"hour": 2, "minute": 55}
